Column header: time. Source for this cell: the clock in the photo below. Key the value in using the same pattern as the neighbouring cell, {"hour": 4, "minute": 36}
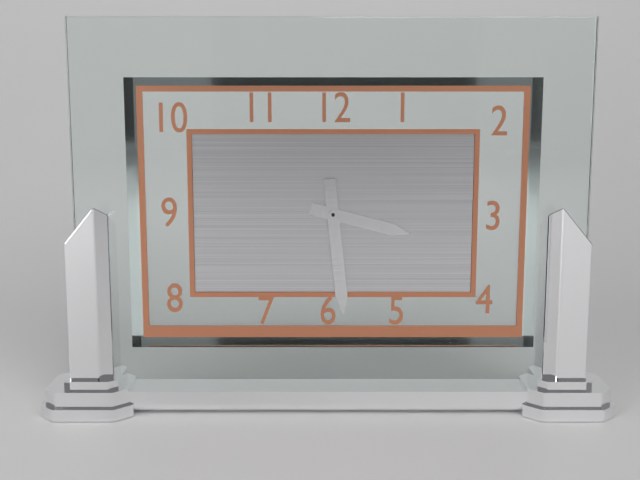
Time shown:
{"hour": 3, "minute": 29}
